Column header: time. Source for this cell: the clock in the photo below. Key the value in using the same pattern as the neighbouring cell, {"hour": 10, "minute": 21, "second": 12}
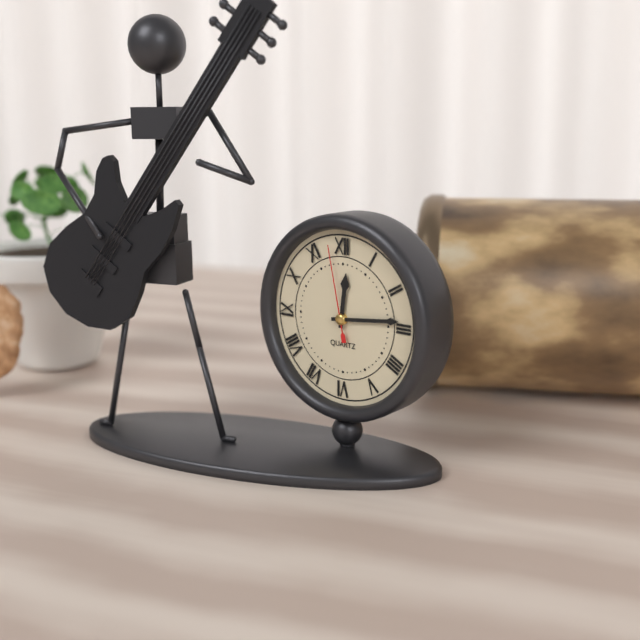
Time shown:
{"hour": 12, "minute": 14, "second": 58}
